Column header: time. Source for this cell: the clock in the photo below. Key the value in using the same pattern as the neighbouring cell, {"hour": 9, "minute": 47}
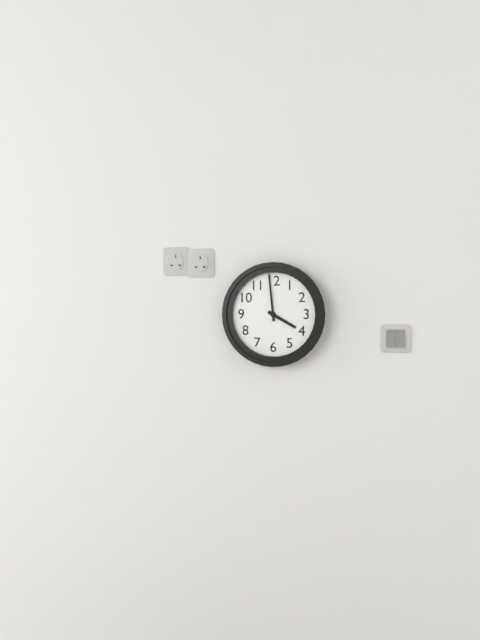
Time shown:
{"hour": 3, "minute": 59}
